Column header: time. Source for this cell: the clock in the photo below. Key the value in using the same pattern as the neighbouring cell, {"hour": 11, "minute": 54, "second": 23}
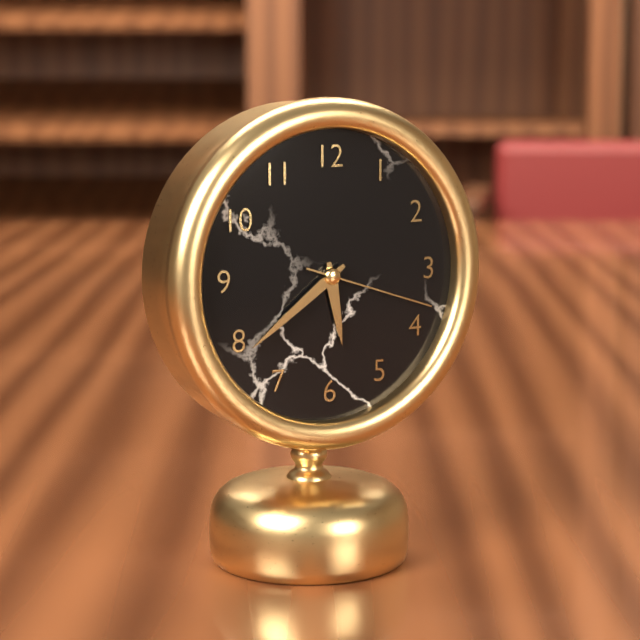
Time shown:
{"hour": 5, "minute": 39, "second": 18}
